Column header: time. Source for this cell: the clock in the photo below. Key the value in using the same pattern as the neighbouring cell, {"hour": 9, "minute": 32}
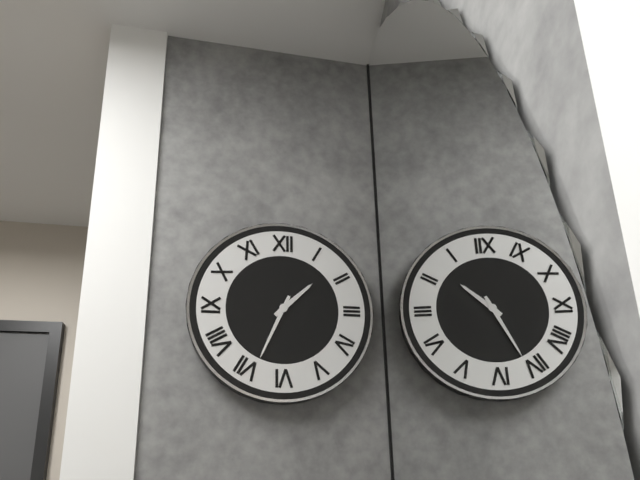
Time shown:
{"hour": 1, "minute": 34}
